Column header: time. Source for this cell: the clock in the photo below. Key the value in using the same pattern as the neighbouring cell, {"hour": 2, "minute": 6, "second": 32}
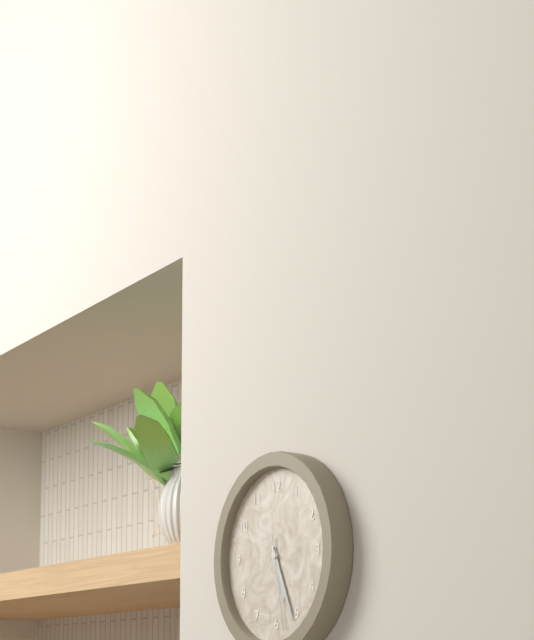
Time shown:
{"hour": 5, "minute": 26, "second": 28}
